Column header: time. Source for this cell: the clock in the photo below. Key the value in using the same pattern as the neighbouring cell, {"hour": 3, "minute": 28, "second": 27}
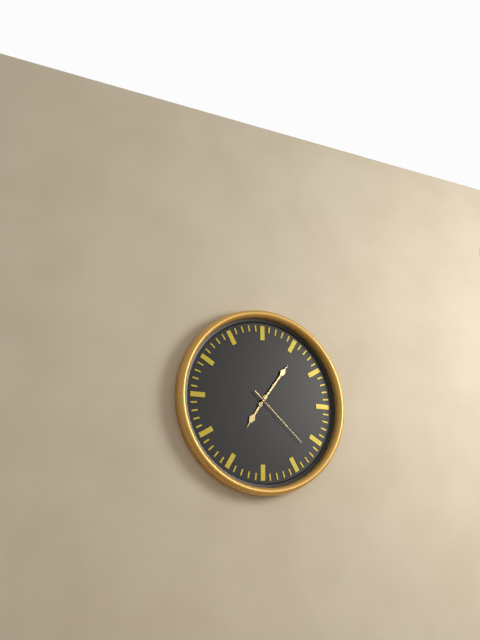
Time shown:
{"hour": 7, "minute": 6, "second": 22}
